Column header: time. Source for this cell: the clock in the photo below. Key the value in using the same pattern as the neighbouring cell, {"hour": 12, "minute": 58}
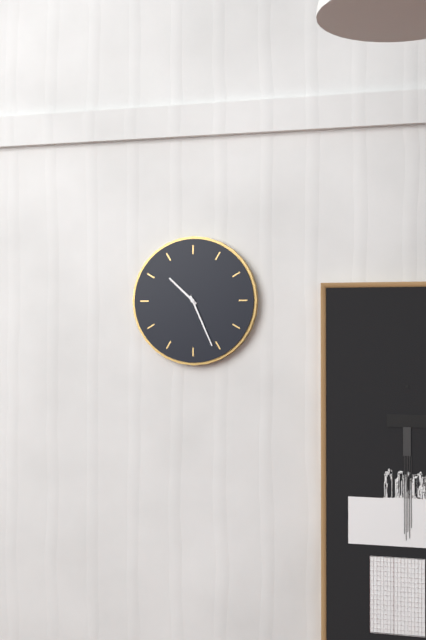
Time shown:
{"hour": 10, "minute": 26}
